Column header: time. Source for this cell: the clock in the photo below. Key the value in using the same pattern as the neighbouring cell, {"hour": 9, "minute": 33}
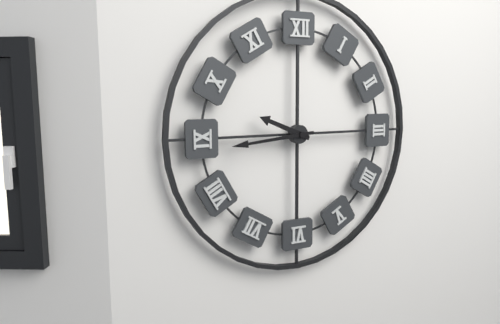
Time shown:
{"hour": 9, "minute": 44}
